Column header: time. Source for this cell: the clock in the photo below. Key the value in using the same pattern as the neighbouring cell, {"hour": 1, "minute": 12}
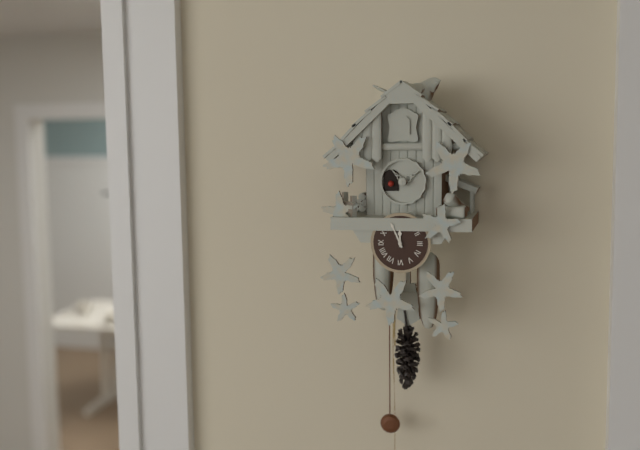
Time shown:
{"hour": 11, "minute": 56}
